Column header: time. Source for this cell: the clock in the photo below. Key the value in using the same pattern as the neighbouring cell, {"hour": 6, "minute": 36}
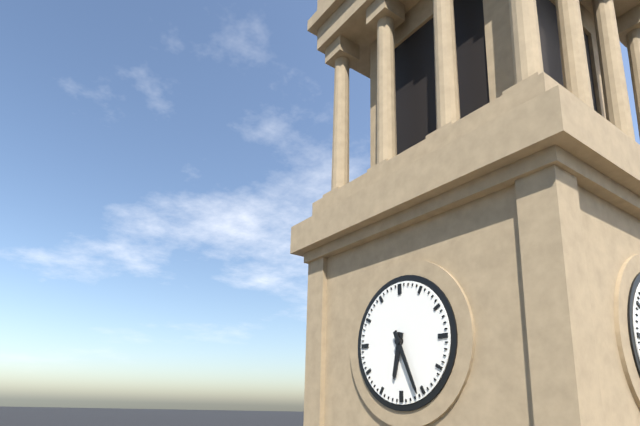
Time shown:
{"hour": 6, "minute": 26}
